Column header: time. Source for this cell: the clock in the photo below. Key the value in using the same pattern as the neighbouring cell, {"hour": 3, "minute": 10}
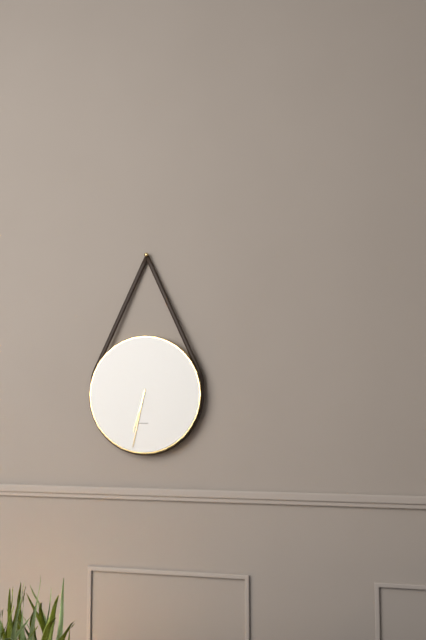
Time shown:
{"hour": 6, "minute": 32}
